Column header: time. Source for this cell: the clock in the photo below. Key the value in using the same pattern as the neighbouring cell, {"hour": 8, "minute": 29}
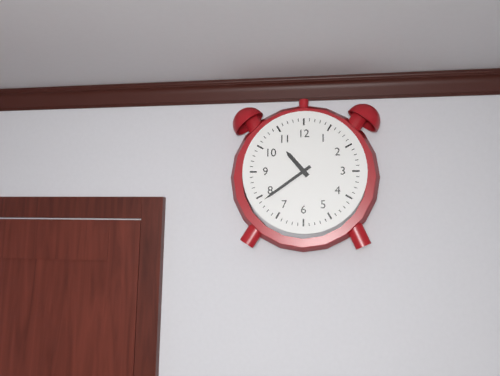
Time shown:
{"hour": 10, "minute": 39}
